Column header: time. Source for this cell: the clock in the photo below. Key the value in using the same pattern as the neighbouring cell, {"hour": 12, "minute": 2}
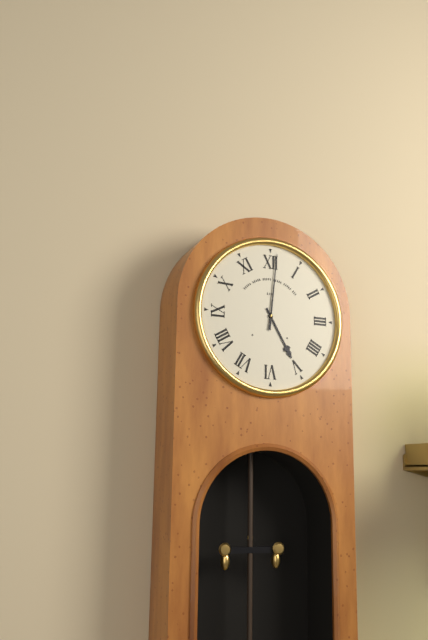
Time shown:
{"hour": 5, "minute": 1}
